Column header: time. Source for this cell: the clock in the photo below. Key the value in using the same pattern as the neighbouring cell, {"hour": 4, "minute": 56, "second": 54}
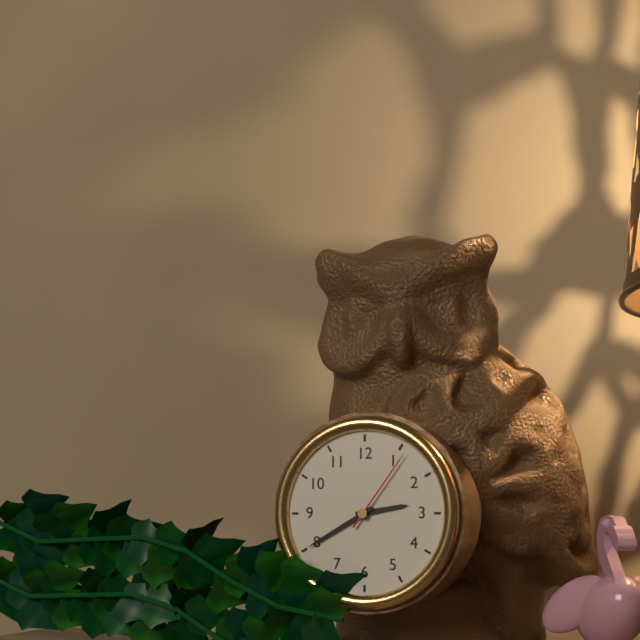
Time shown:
{"hour": 2, "minute": 40, "second": 6}
